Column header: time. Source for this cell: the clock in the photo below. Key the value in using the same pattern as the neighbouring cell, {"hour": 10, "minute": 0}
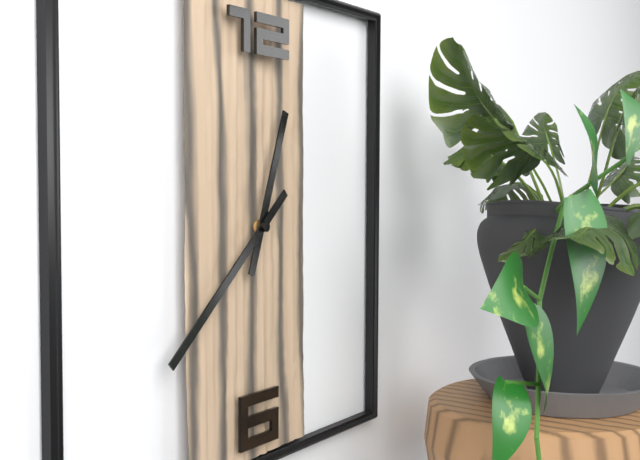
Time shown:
{"hour": 12, "minute": 38}
